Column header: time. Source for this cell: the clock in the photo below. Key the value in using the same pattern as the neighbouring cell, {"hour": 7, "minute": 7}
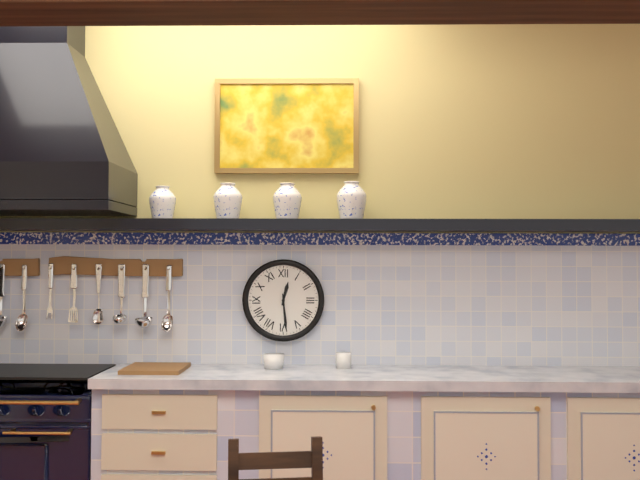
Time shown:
{"hour": 12, "minute": 29}
